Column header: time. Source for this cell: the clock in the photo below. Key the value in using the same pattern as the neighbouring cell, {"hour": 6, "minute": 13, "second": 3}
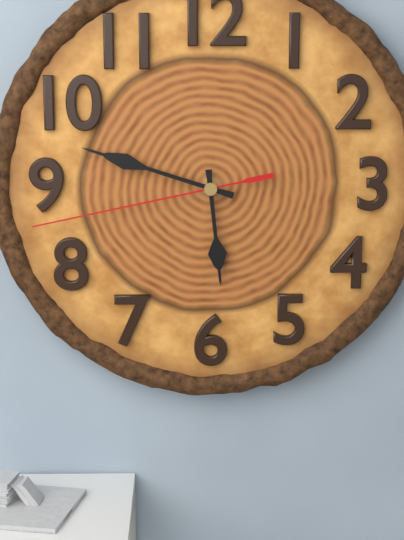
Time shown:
{"hour": 5, "minute": 48, "second": 43}
